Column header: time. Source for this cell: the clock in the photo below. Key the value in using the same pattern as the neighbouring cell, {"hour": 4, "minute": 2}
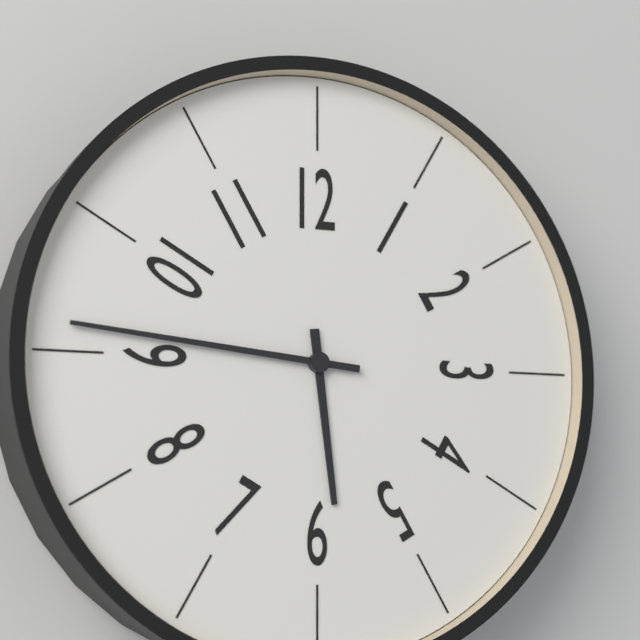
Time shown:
{"hour": 5, "minute": 46}
